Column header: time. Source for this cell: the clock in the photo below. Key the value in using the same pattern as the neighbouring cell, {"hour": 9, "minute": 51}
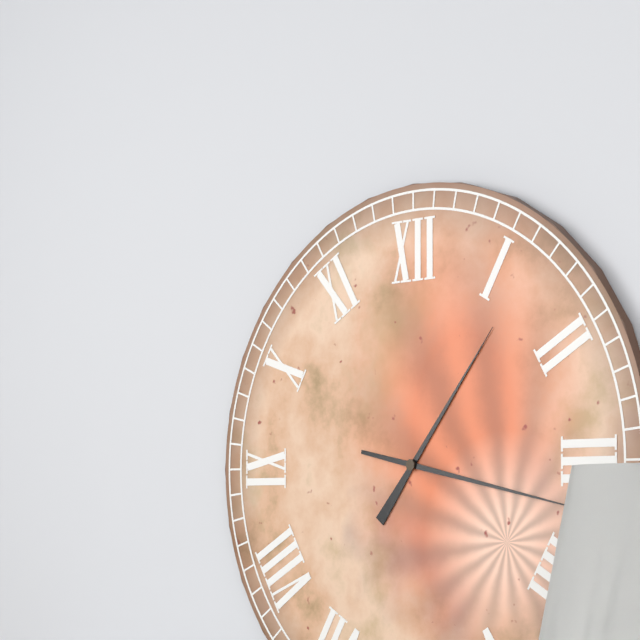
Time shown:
{"hour": 1, "minute": 17}
